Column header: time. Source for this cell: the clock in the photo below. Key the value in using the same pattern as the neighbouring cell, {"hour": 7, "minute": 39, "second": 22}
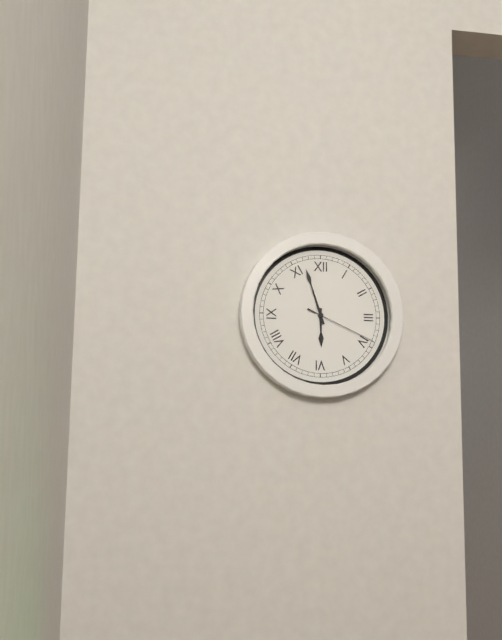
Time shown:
{"hour": 5, "minute": 57, "second": 19}
